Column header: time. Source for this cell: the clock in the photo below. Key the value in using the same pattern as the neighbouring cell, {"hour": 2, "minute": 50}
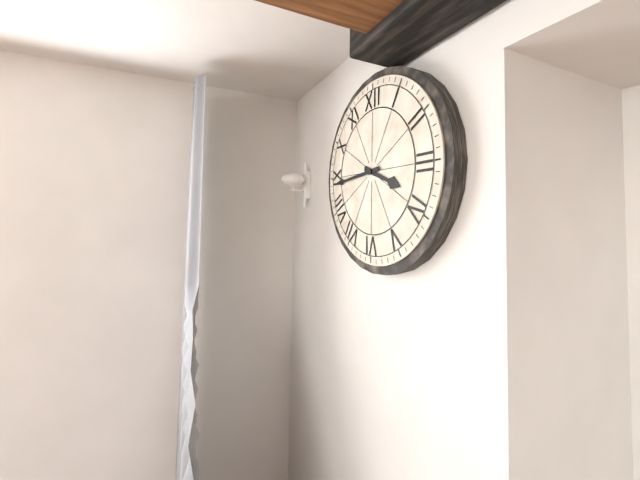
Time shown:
{"hour": 3, "minute": 44}
